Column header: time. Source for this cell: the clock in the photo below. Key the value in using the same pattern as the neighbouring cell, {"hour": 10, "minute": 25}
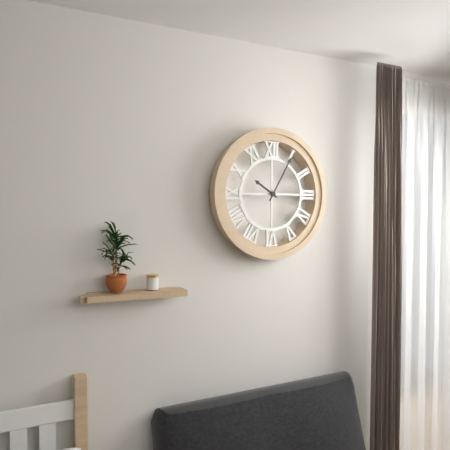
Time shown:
{"hour": 10, "minute": 5}
